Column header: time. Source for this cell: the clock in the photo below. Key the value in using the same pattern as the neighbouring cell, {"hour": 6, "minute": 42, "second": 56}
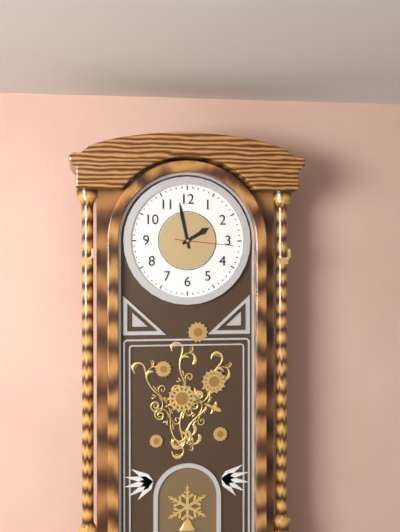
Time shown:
{"hour": 1, "minute": 58, "second": 16}
